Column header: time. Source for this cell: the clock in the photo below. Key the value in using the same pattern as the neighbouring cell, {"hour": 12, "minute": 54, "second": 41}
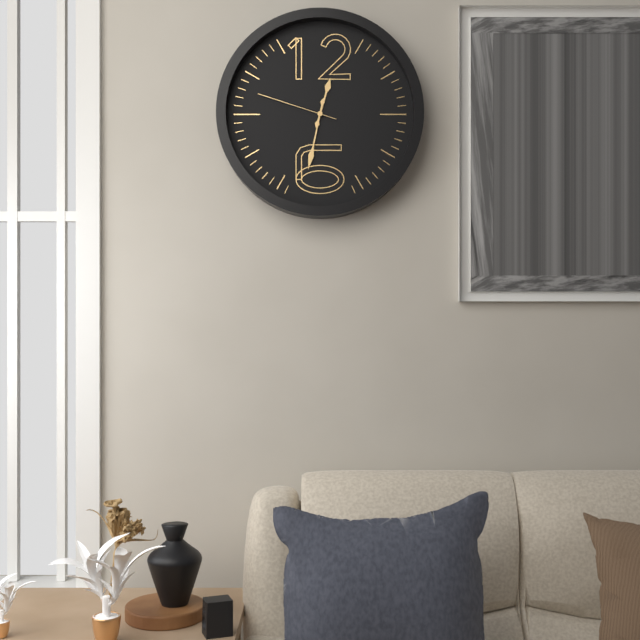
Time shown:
{"hour": 12, "minute": 32, "second": 48}
